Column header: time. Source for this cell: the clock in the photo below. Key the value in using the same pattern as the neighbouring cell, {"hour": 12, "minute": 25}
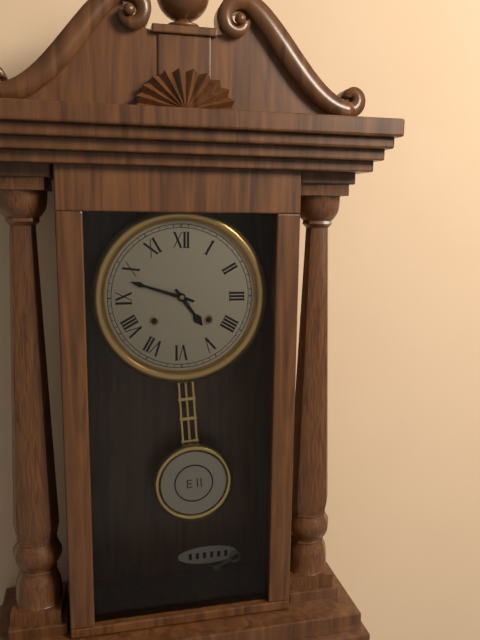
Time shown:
{"hour": 4, "minute": 48}
